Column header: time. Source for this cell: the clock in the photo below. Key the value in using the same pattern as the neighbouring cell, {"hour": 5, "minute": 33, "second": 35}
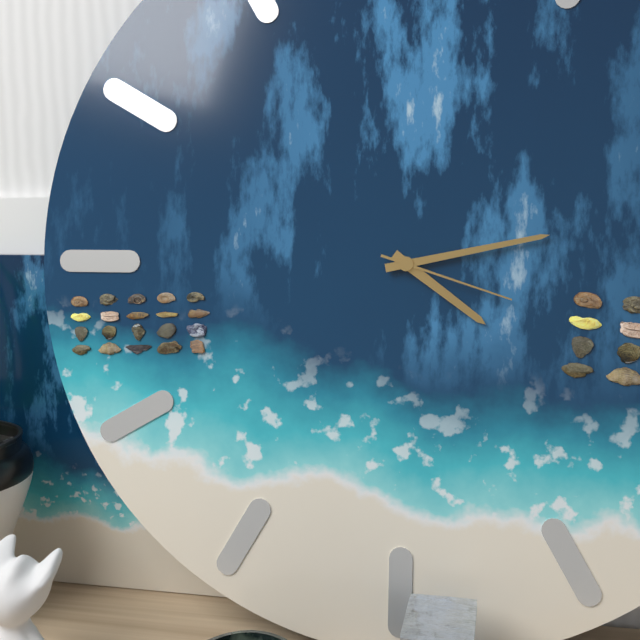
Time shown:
{"hour": 4, "minute": 13, "second": 18}
